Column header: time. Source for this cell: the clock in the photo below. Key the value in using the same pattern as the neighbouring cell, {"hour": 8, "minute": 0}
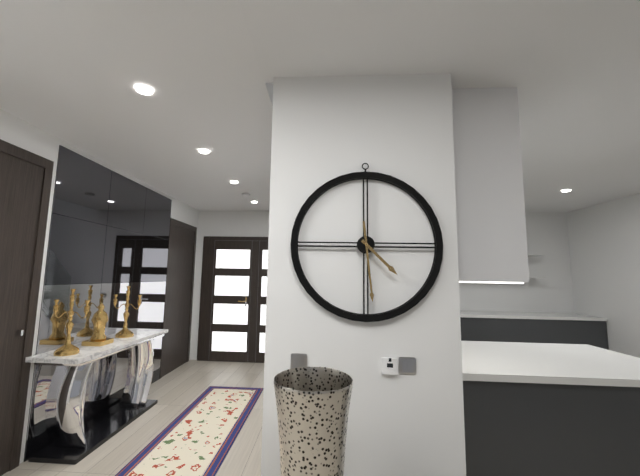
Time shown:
{"hour": 4, "minute": 29}
